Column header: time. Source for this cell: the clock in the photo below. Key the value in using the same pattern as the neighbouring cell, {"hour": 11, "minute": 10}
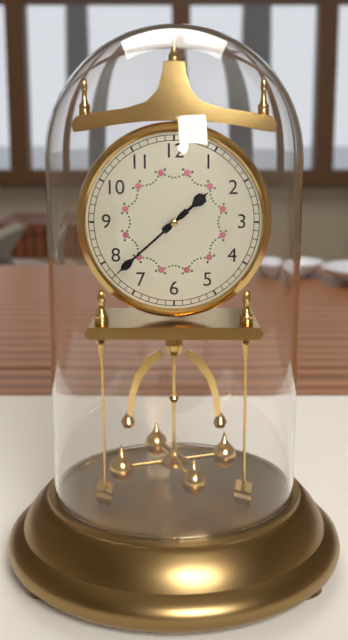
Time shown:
{"hour": 1, "minute": 38}
